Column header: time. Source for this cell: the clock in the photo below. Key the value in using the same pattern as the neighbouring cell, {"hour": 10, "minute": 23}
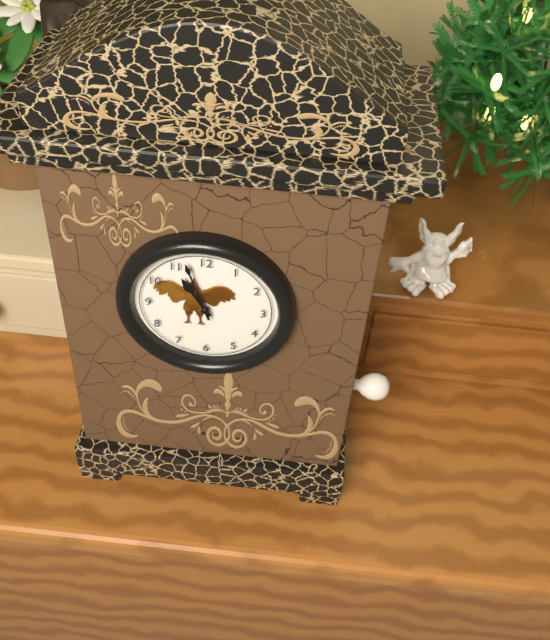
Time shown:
{"hour": 10, "minute": 57}
